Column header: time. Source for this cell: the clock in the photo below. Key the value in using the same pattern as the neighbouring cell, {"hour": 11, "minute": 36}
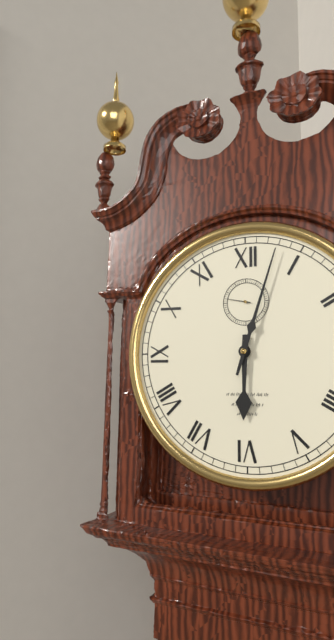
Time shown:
{"hour": 6, "minute": 3}
